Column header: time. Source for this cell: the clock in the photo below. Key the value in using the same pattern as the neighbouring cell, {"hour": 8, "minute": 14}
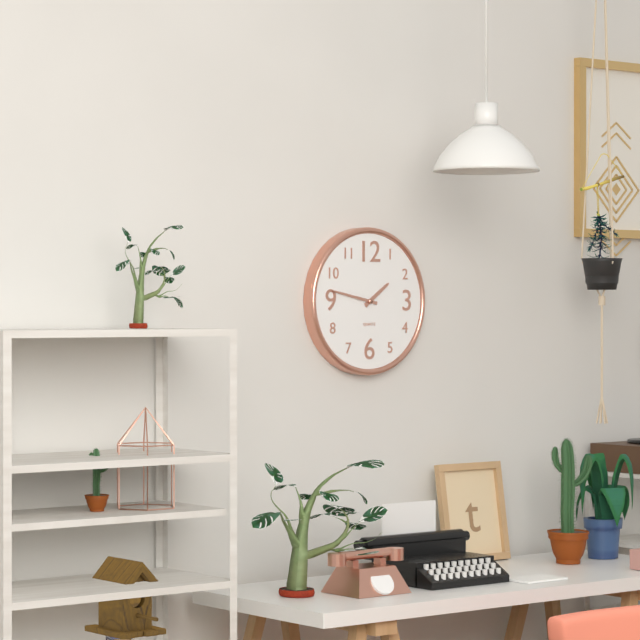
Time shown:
{"hour": 1, "minute": 47}
